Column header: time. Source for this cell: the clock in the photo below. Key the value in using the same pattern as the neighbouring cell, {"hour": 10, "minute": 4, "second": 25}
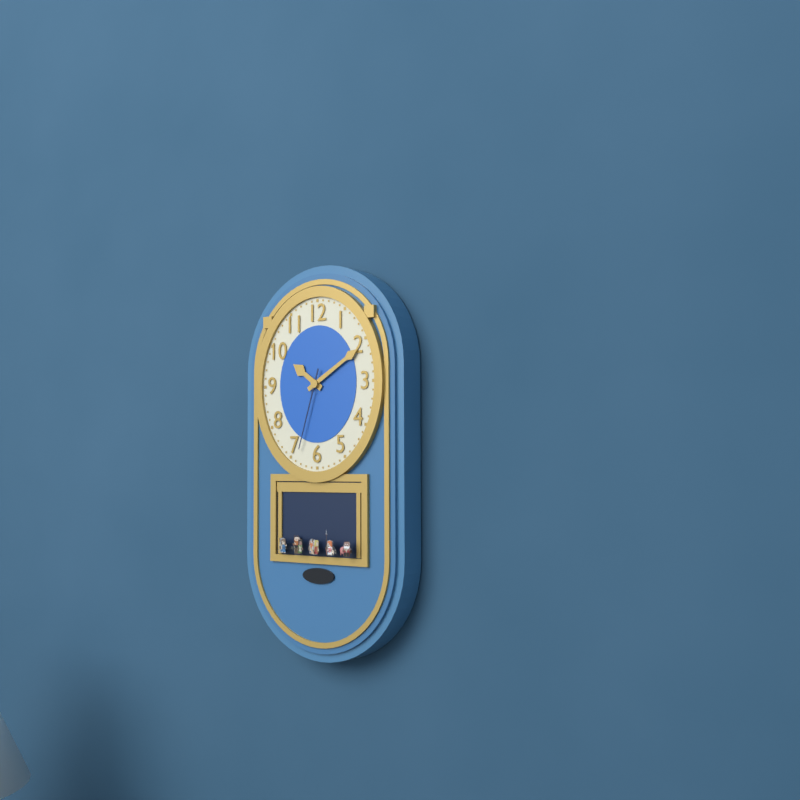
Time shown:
{"hour": 10, "minute": 10, "second": 33}
